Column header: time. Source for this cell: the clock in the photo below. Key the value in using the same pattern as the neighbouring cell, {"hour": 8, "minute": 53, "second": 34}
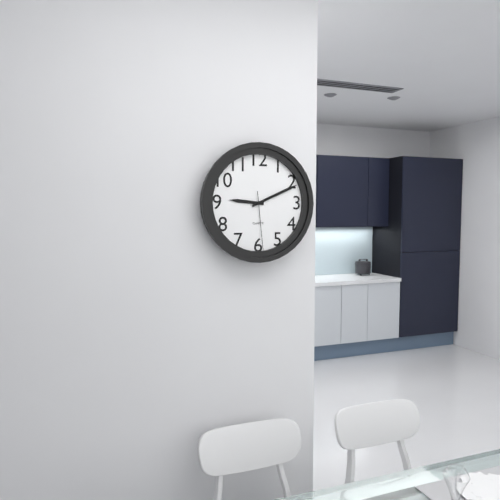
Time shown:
{"hour": 9, "minute": 11, "second": 29}
